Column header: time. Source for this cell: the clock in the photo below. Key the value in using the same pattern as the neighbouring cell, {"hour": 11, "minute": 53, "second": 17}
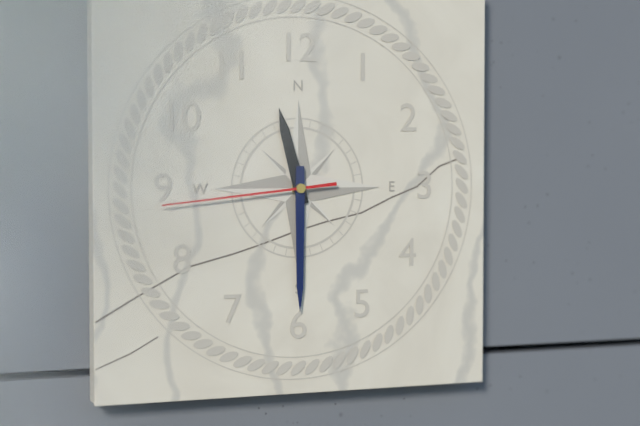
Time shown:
{"hour": 11, "minute": 30, "second": 44}
